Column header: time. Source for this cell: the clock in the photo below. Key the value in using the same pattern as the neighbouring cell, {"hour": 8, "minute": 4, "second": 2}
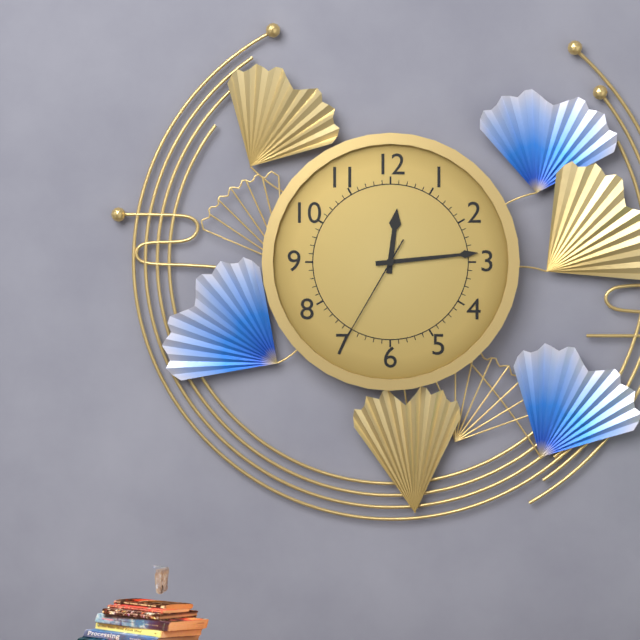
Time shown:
{"hour": 12, "minute": 14, "second": 35}
